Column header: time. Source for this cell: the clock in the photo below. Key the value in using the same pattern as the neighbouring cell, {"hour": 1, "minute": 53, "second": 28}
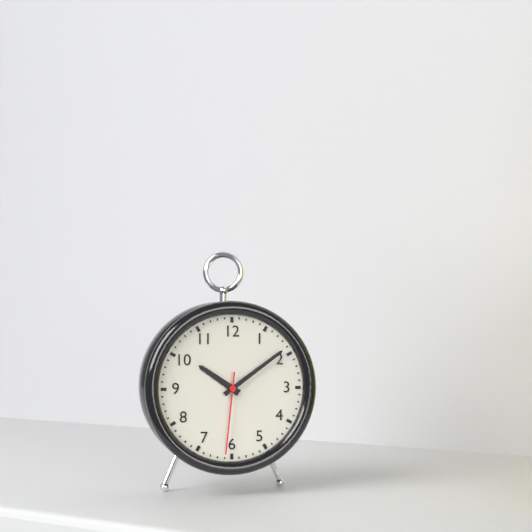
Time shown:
{"hour": 10, "minute": 9, "second": 31}
